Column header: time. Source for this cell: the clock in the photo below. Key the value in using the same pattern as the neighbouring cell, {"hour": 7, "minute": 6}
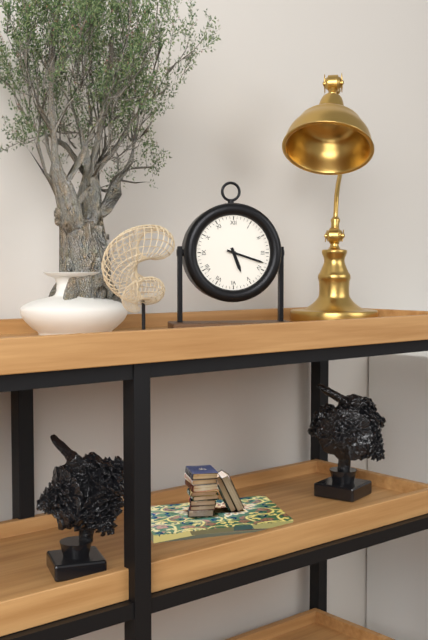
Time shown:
{"hour": 5, "minute": 18}
